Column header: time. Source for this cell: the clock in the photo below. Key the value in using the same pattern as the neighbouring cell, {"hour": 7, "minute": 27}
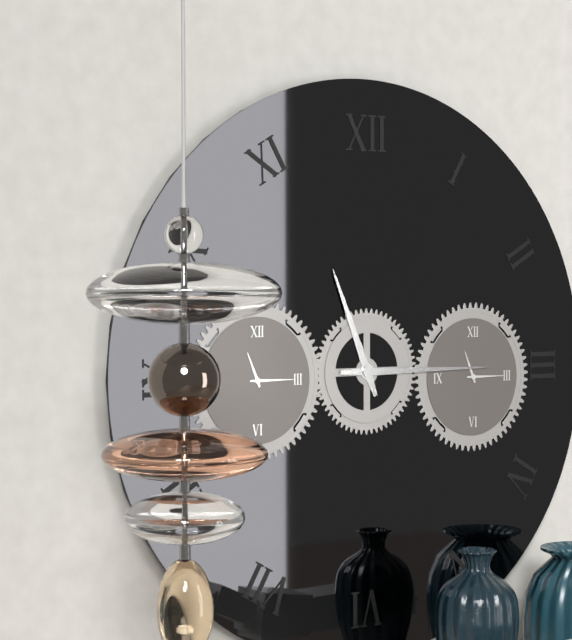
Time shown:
{"hour": 11, "minute": 15}
